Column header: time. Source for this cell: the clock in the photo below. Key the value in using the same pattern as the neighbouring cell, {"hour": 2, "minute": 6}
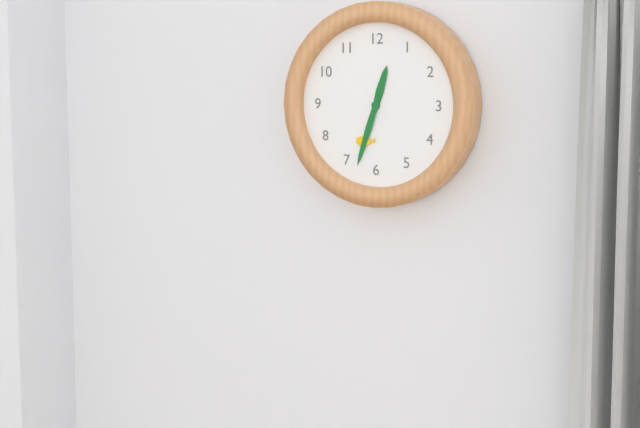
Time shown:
{"hour": 12, "minute": 33}
